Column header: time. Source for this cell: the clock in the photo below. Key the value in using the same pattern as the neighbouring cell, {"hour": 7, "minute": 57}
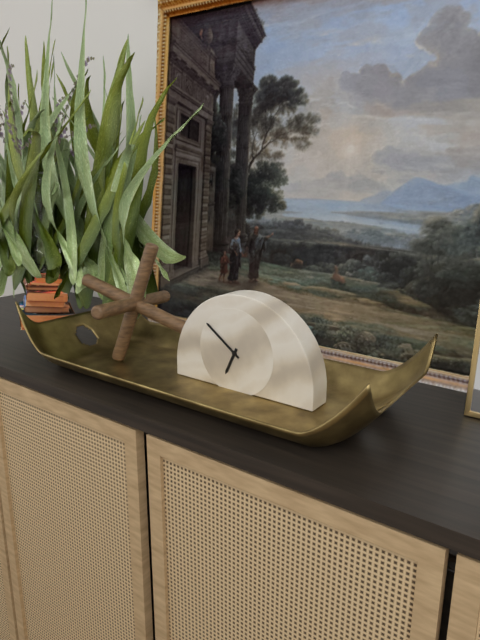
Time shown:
{"hour": 6, "minute": 51}
